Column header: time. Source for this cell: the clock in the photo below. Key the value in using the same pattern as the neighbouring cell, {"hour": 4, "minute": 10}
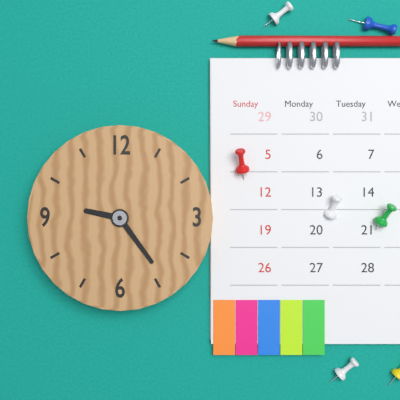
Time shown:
{"hour": 9, "minute": 24}
